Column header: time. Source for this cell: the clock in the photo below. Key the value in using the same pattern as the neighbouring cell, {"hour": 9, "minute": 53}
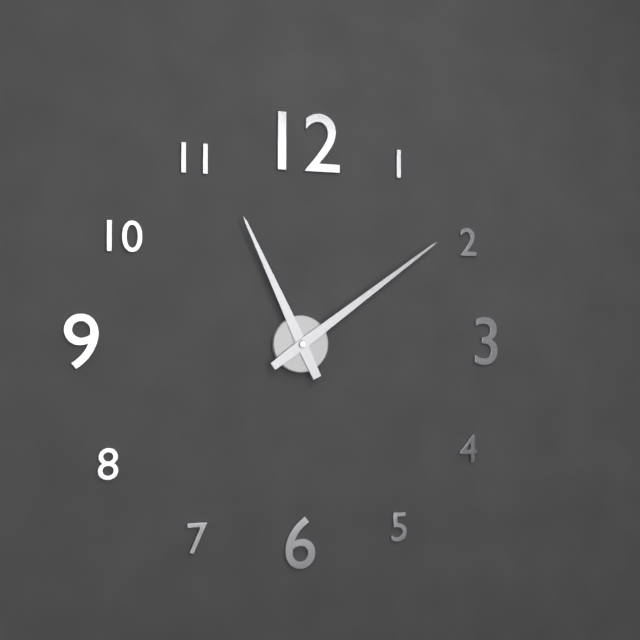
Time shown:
{"hour": 11, "minute": 9}
